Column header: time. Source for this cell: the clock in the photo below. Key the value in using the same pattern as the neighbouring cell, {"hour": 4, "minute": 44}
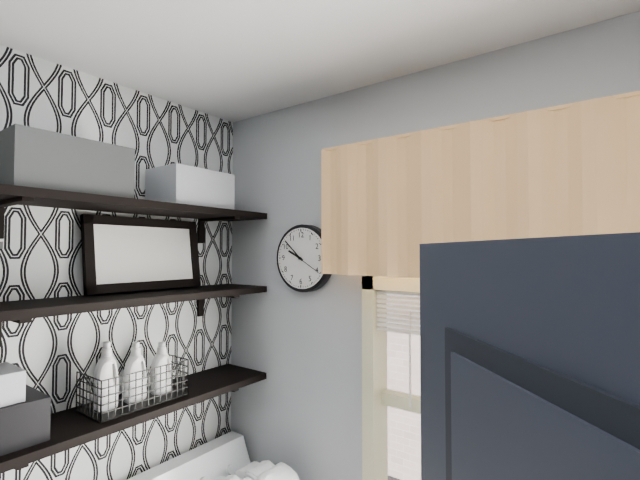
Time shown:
{"hour": 9, "minute": 52}
